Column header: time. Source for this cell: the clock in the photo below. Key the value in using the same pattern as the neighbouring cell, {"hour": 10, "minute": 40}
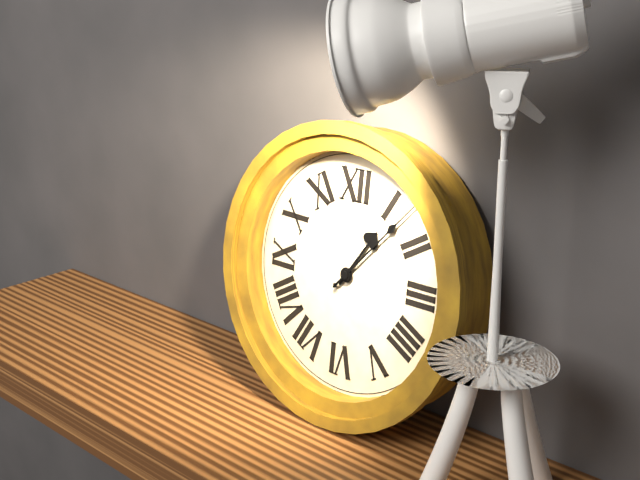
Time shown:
{"hour": 1, "minute": 7}
